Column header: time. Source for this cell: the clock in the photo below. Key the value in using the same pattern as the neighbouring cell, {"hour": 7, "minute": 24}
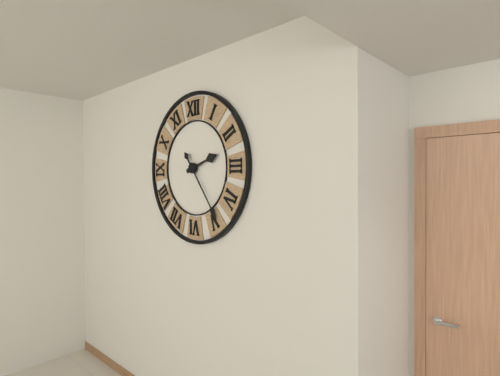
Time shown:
{"hour": 2, "minute": 24}
